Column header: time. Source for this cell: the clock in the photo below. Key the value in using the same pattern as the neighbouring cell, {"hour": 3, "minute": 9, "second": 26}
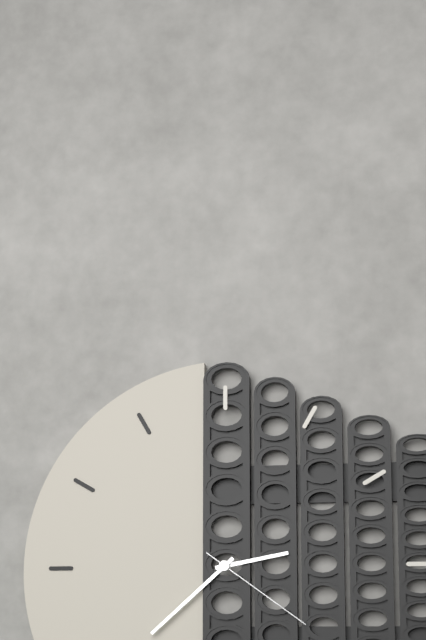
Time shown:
{"hour": 2, "minute": 38, "second": 21}
